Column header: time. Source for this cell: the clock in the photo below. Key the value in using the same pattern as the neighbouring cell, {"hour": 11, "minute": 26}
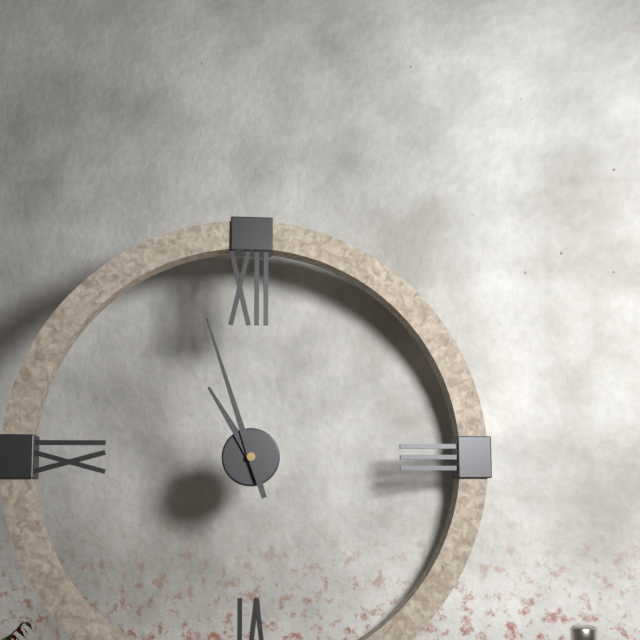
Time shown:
{"hour": 10, "minute": 57}
